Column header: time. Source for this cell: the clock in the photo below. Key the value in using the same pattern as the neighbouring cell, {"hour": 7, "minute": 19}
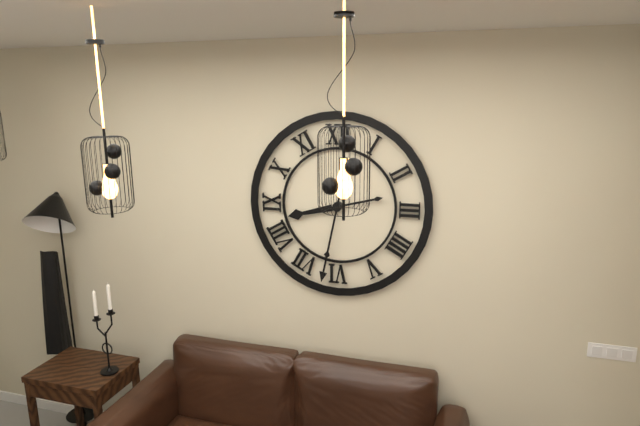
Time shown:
{"hour": 8, "minute": 32}
